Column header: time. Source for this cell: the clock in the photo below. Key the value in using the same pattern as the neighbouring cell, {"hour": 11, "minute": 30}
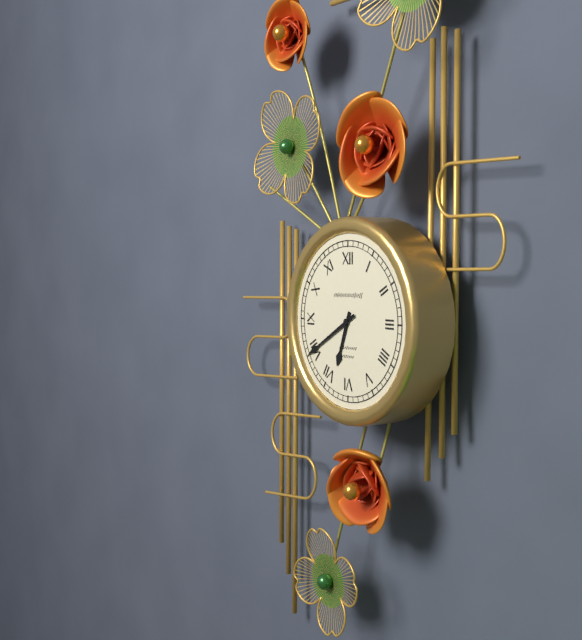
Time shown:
{"hour": 6, "minute": 40}
